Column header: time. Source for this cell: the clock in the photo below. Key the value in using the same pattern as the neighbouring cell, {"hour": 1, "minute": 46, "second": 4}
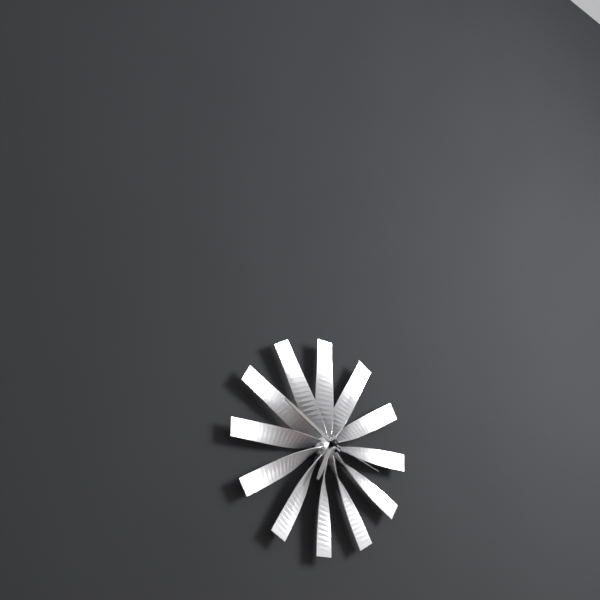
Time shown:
{"hour": 6, "minute": 50, "second": 18}
